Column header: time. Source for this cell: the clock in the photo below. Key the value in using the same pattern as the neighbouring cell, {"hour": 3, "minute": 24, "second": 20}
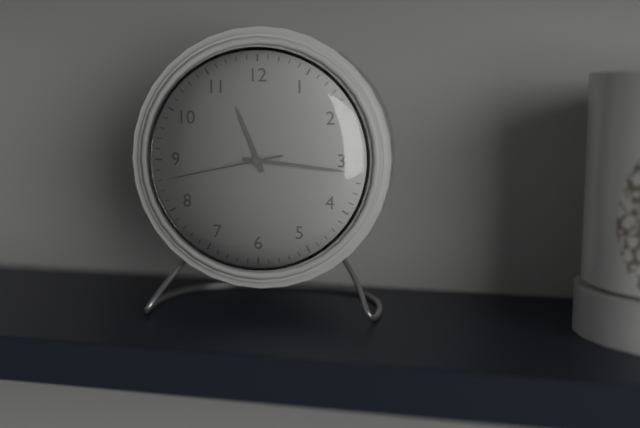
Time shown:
{"hour": 11, "minute": 16, "second": 43}
